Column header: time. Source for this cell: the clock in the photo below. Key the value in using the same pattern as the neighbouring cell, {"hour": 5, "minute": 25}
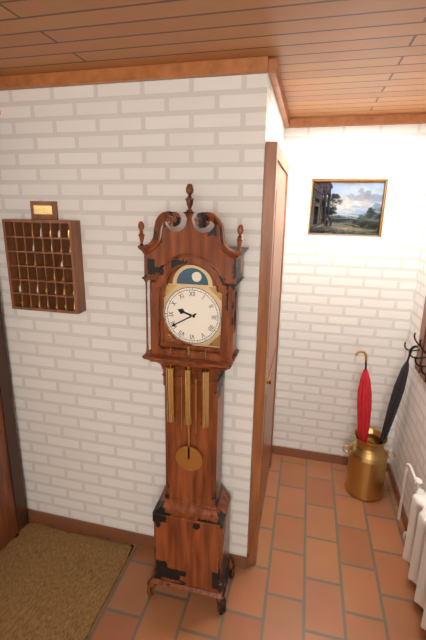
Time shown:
{"hour": 9, "minute": 40}
